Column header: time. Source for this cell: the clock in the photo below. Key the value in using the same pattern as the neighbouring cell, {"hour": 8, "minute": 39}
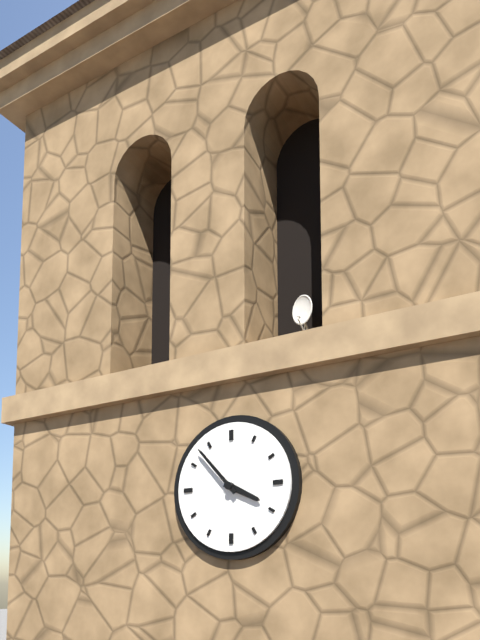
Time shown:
{"hour": 3, "minute": 53}
